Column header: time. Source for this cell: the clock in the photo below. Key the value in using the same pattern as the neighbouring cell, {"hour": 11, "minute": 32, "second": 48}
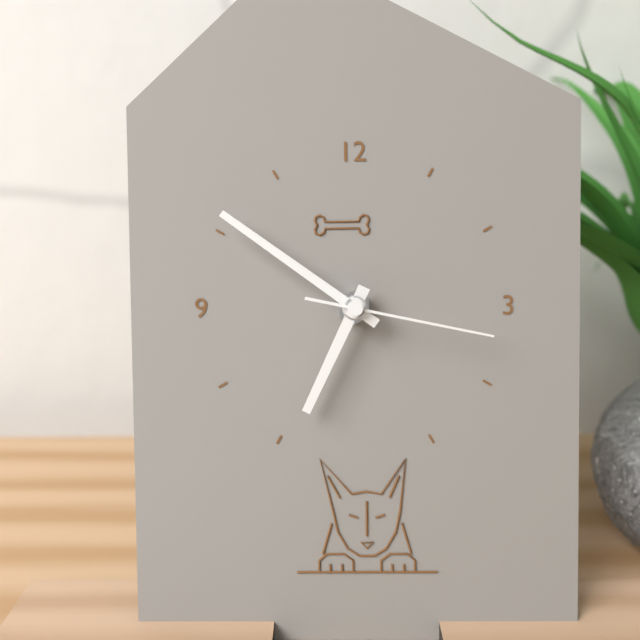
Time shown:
{"hour": 6, "minute": 51, "second": 17}
